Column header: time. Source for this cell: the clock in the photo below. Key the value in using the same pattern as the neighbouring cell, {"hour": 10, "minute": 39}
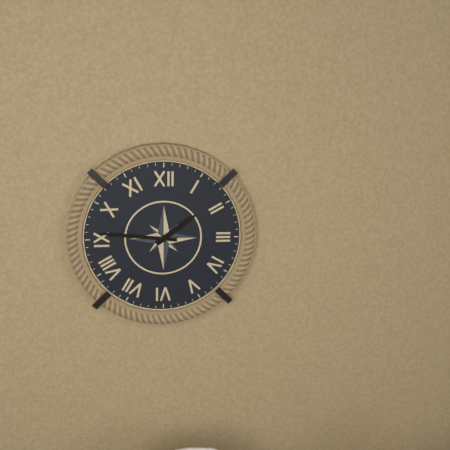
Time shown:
{"hour": 1, "minute": 46}
